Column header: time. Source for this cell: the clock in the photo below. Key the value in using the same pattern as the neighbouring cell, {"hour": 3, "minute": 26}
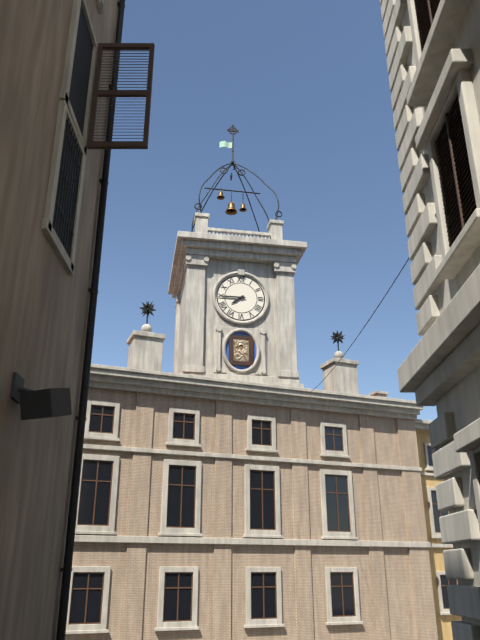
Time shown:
{"hour": 7, "minute": 45}
